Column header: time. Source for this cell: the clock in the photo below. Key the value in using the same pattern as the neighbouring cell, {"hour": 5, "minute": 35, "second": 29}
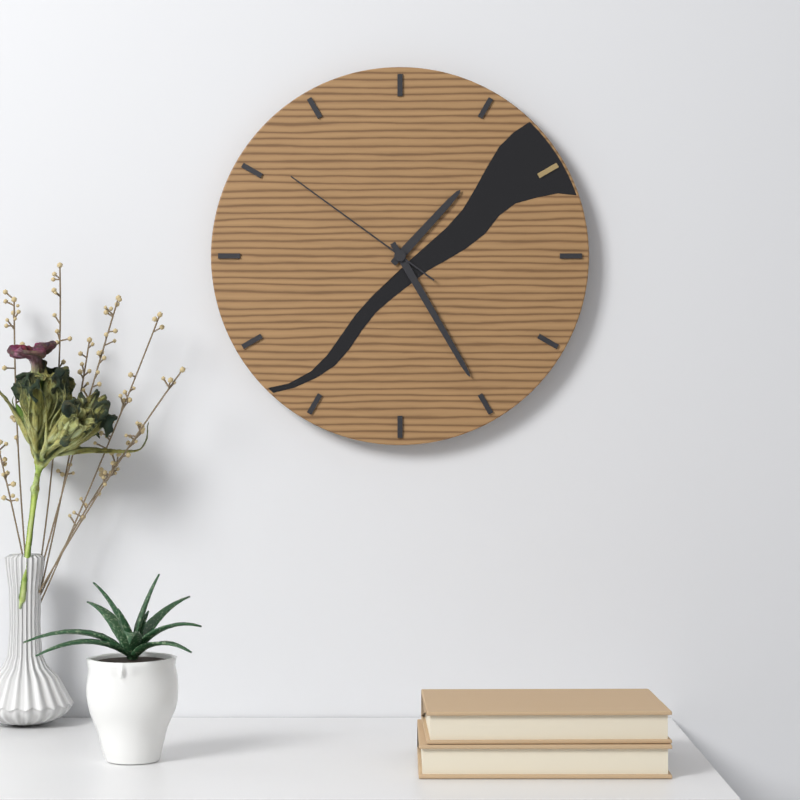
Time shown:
{"hour": 1, "minute": 25, "second": 51}
